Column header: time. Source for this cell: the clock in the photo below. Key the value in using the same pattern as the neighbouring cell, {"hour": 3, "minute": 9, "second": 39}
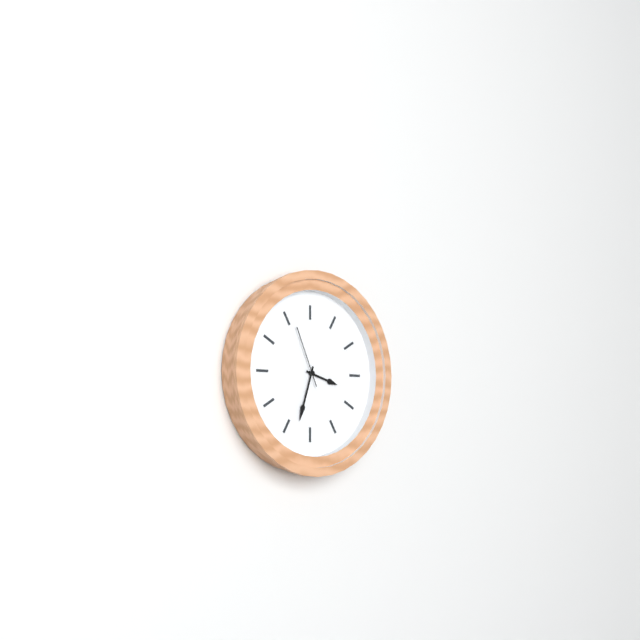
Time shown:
{"hour": 3, "minute": 33, "second": 56}
